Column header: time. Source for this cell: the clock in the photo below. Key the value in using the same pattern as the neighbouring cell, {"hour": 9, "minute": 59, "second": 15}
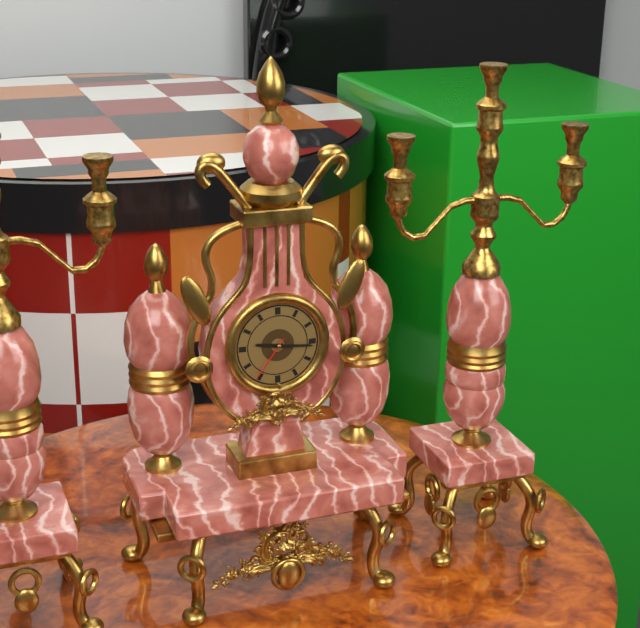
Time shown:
{"hour": 9, "minute": 16, "second": 36}
